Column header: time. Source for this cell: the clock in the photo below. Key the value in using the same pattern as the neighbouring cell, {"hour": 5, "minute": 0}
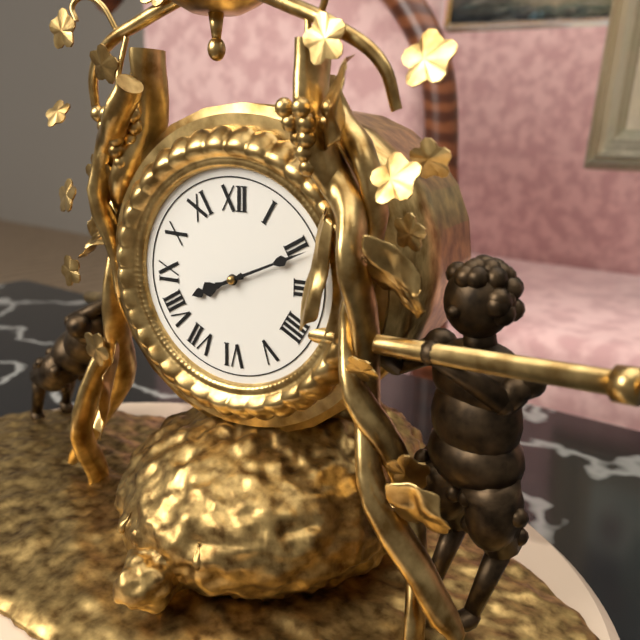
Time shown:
{"hour": 8, "minute": 11}
